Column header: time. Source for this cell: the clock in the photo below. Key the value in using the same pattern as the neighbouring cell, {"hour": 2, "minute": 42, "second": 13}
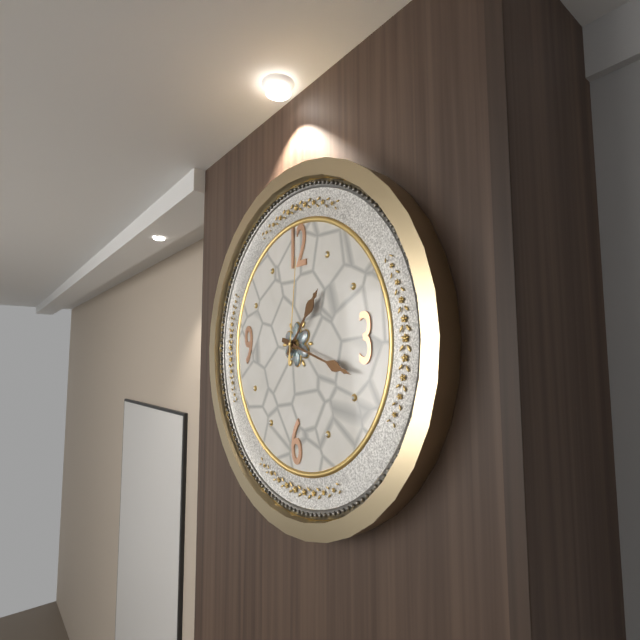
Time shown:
{"hour": 1, "minute": 18, "second": 1}
